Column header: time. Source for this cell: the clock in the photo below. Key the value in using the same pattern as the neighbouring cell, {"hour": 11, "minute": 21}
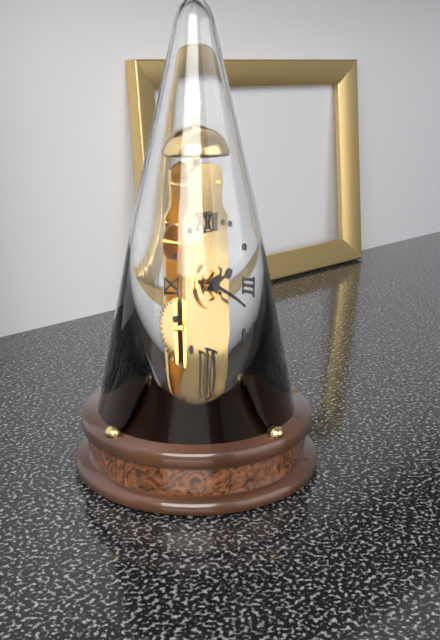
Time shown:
{"hour": 2, "minute": 18}
